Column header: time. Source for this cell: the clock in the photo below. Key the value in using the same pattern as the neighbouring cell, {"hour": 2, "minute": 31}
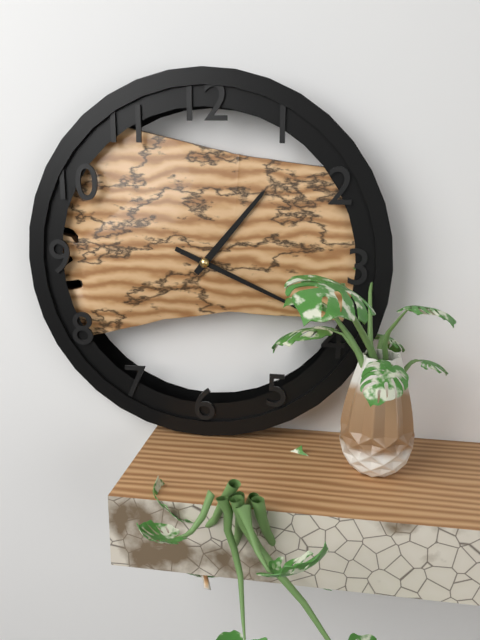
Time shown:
{"hour": 1, "minute": 19}
